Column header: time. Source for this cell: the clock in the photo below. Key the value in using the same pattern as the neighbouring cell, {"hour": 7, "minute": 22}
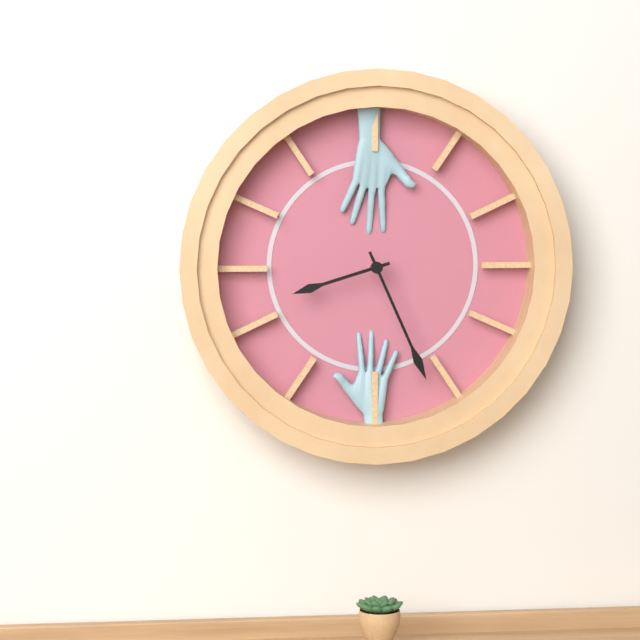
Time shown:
{"hour": 8, "minute": 26}
